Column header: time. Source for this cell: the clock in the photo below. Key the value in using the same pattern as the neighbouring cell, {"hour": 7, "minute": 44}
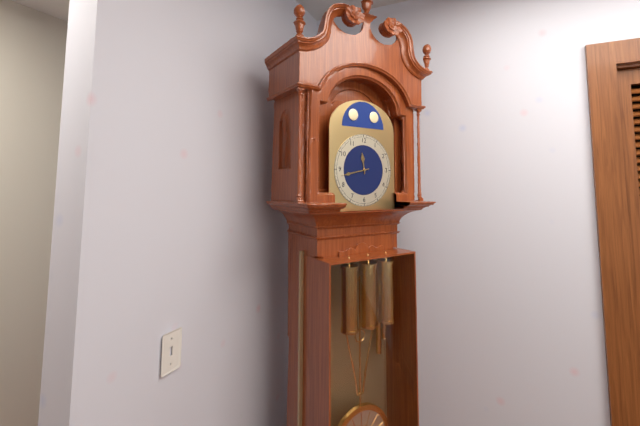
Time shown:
{"hour": 11, "minute": 43}
